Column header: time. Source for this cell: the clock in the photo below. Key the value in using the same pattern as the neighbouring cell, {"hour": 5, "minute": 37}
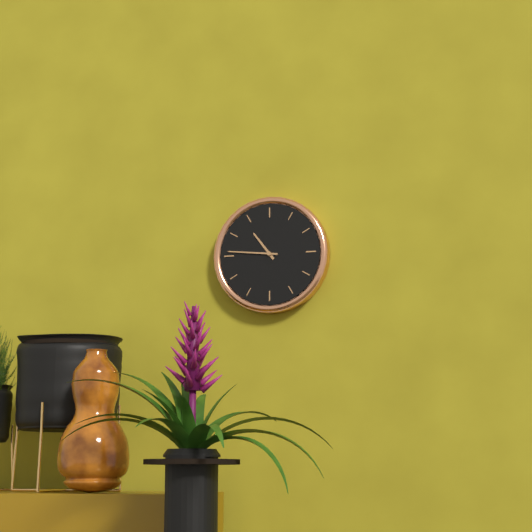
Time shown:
{"hour": 10, "minute": 46}
